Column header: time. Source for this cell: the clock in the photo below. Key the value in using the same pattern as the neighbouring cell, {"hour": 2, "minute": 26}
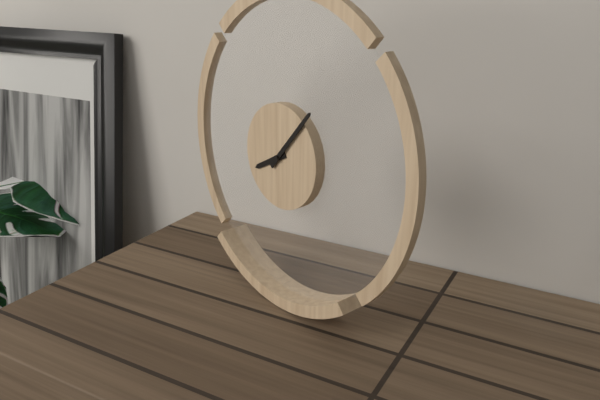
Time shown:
{"hour": 8, "minute": 7}
